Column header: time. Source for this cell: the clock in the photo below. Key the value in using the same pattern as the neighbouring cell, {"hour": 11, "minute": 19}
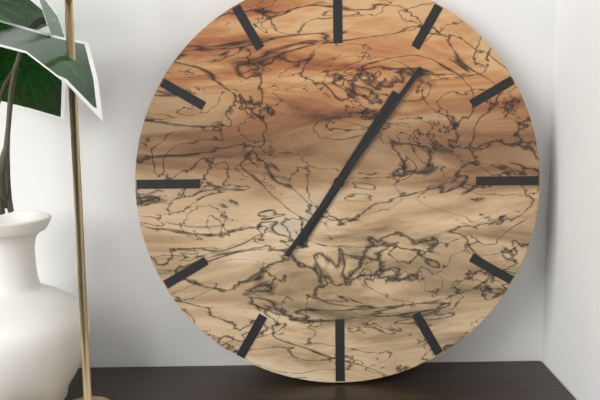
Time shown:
{"hour": 1, "minute": 6}
